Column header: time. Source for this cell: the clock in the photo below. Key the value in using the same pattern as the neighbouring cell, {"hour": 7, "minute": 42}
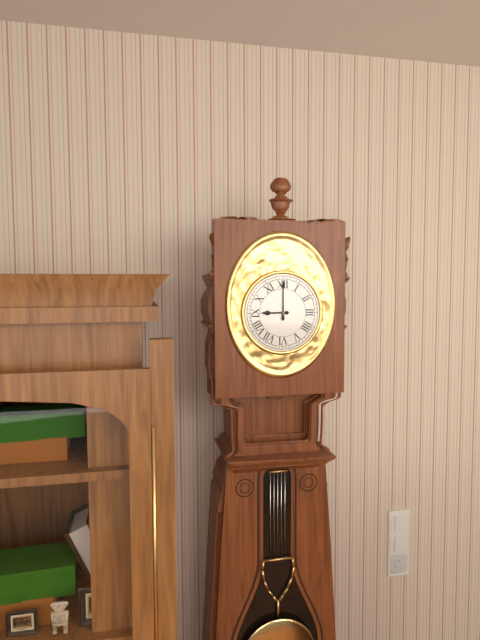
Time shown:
{"hour": 9, "minute": 0}
